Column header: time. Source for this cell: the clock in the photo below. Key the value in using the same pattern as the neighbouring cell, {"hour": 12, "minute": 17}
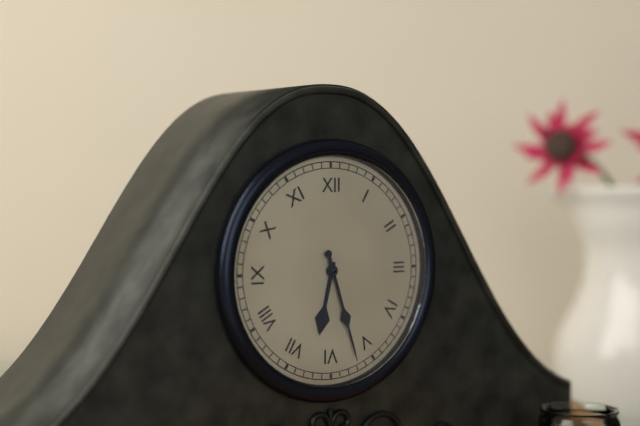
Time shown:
{"hour": 6, "minute": 27}
